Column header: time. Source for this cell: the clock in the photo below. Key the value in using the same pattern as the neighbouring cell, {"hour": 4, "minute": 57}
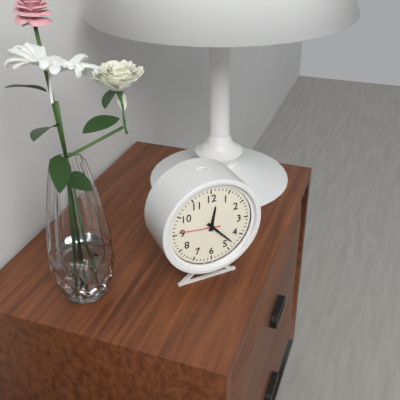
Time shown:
{"hour": 12, "minute": 23}
